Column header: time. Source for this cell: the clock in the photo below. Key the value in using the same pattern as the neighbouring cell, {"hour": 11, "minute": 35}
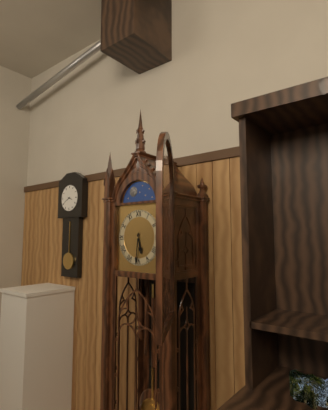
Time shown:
{"hour": 5, "minute": 31}
